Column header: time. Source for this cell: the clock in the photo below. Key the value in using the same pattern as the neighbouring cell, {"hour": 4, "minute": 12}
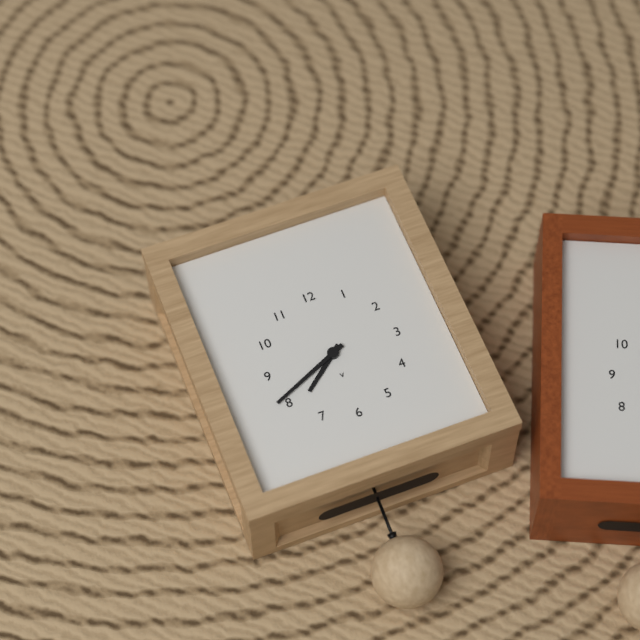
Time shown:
{"hour": 7, "minute": 41}
